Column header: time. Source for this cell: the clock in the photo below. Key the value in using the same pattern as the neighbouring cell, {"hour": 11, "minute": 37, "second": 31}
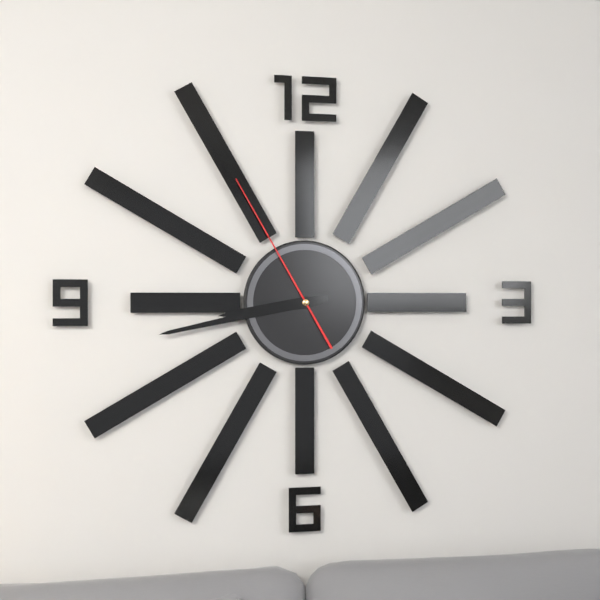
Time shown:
{"hour": 8, "minute": 43, "second": 55}
